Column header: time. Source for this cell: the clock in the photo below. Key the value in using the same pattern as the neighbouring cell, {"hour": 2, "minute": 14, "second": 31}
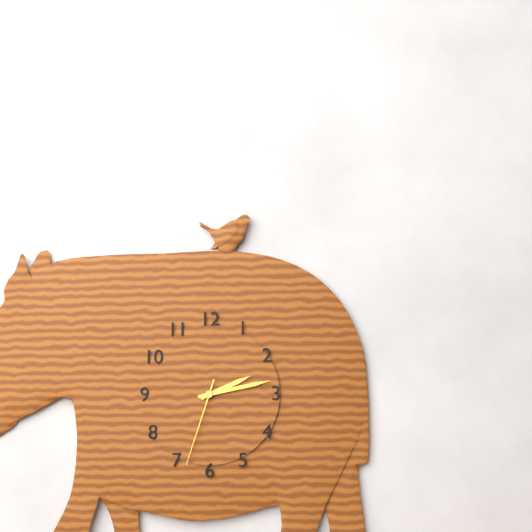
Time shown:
{"hour": 2, "minute": 13, "second": 33}
